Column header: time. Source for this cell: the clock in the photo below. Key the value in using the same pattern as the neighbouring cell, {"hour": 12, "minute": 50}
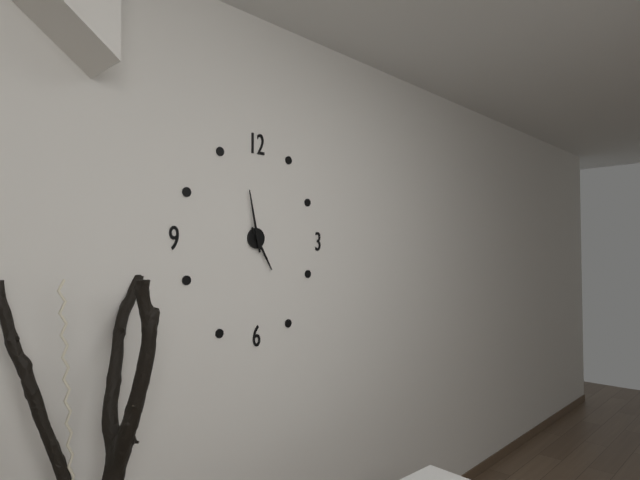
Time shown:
{"hour": 4, "minute": 58}
